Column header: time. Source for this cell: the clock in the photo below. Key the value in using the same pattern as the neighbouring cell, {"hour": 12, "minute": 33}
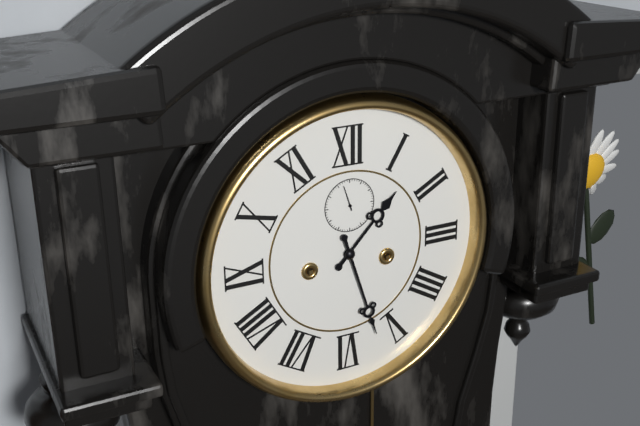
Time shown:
{"hour": 1, "minute": 27}
